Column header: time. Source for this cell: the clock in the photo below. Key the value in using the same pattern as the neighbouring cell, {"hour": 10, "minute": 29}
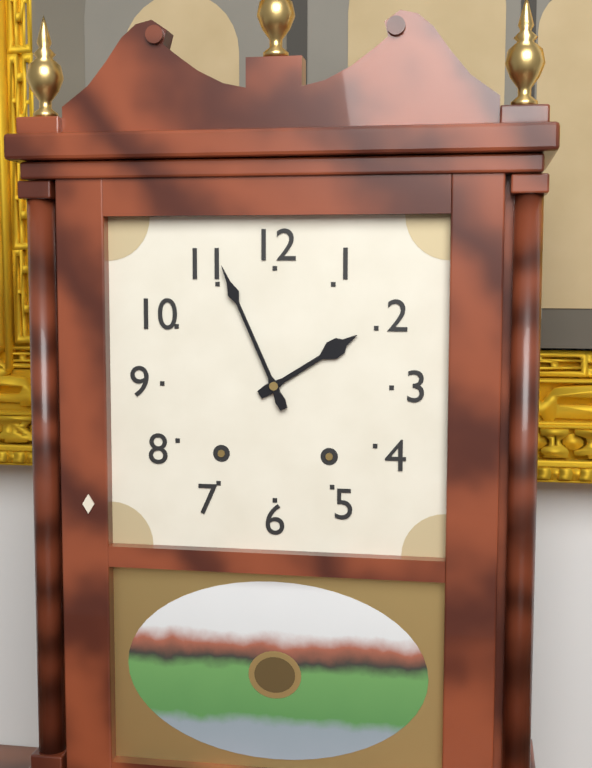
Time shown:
{"hour": 1, "minute": 56}
